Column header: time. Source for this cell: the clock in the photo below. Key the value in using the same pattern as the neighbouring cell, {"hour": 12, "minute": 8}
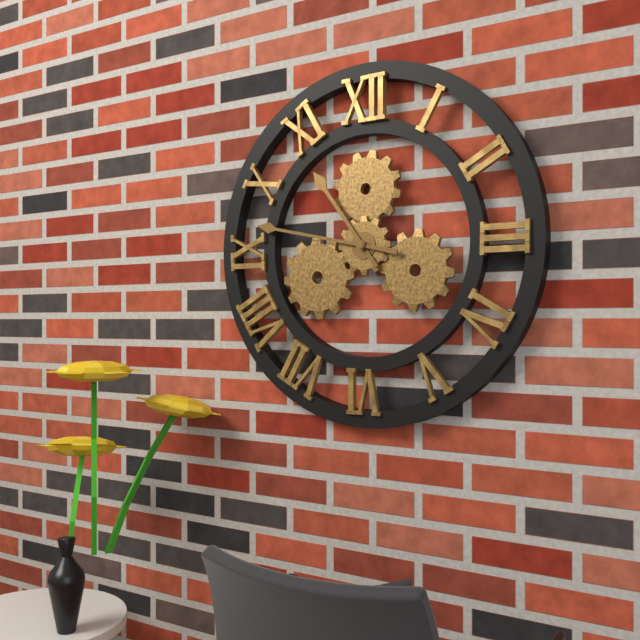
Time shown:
{"hour": 10, "minute": 47}
